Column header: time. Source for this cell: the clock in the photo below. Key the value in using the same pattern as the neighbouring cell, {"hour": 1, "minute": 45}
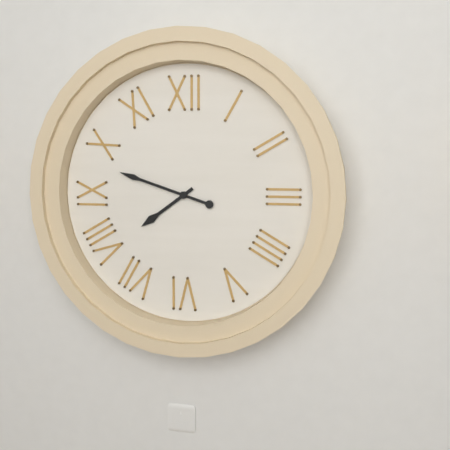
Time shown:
{"hour": 7, "minute": 48}
